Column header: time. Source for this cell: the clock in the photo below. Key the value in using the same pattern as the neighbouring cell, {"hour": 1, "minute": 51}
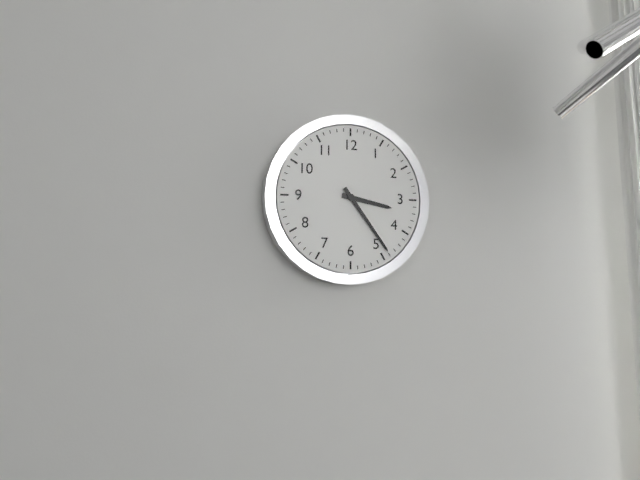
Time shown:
{"hour": 3, "minute": 24}
